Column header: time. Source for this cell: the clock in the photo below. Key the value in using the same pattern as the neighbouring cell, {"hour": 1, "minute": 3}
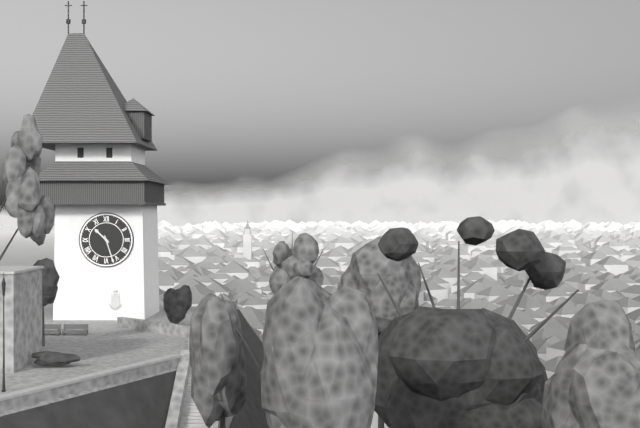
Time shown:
{"hour": 10, "minute": 27}
